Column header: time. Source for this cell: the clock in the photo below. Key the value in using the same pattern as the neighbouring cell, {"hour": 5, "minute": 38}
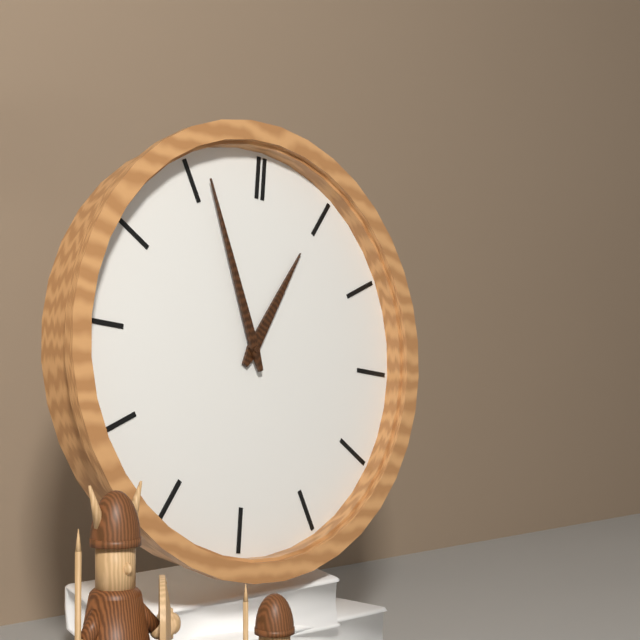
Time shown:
{"hour": 12, "minute": 56}
